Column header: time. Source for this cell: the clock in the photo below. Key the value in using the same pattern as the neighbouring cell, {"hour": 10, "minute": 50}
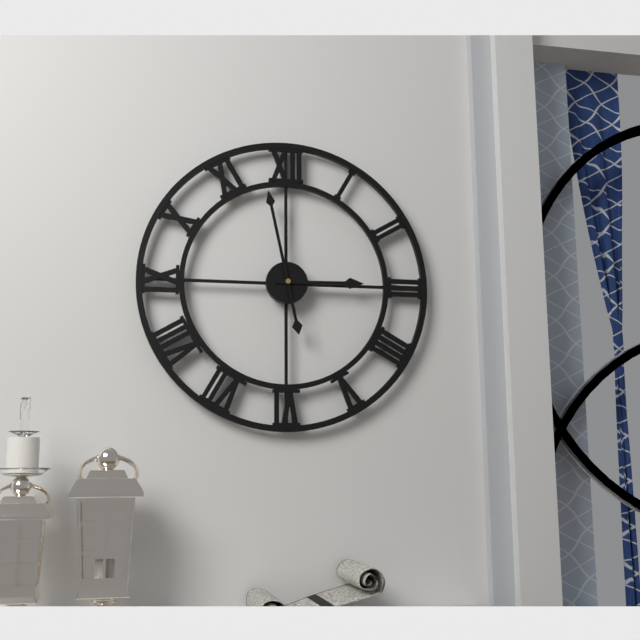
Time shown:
{"hour": 2, "minute": 58}
